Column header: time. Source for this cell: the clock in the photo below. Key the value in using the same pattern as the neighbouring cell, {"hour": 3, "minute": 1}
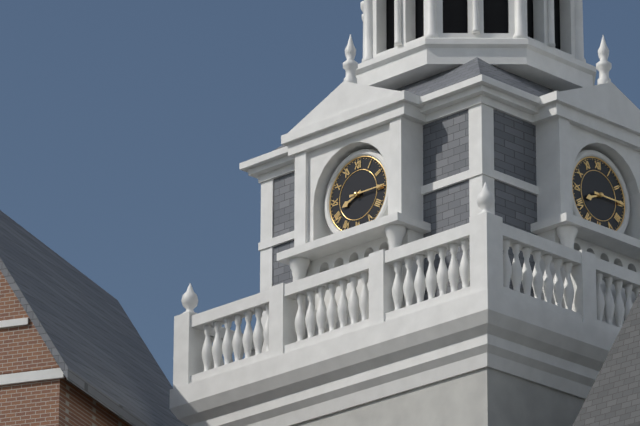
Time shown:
{"hour": 8, "minute": 15}
